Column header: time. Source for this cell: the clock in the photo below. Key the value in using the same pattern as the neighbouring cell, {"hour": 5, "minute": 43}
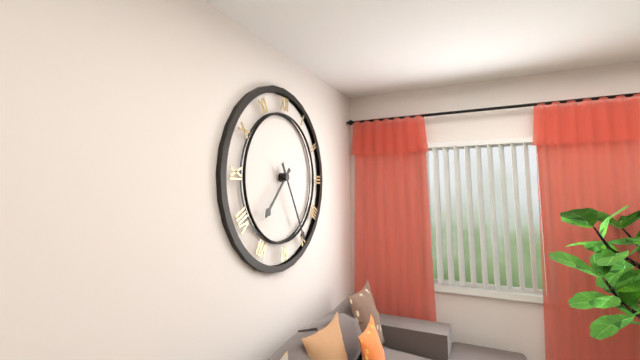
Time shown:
{"hour": 7, "minute": 25}
